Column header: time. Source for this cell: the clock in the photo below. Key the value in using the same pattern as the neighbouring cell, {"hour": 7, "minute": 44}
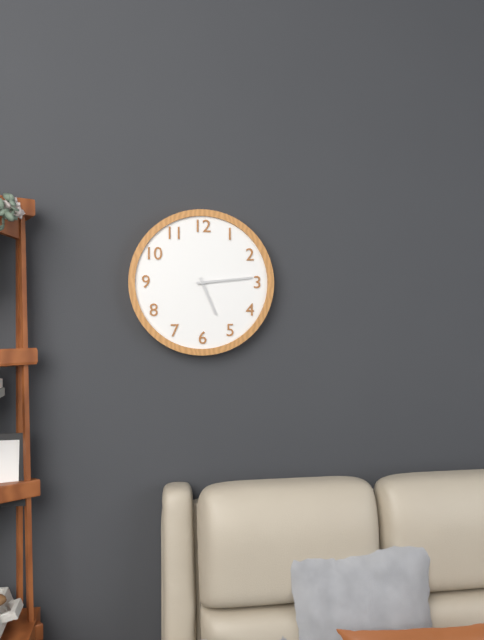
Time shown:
{"hour": 5, "minute": 14}
